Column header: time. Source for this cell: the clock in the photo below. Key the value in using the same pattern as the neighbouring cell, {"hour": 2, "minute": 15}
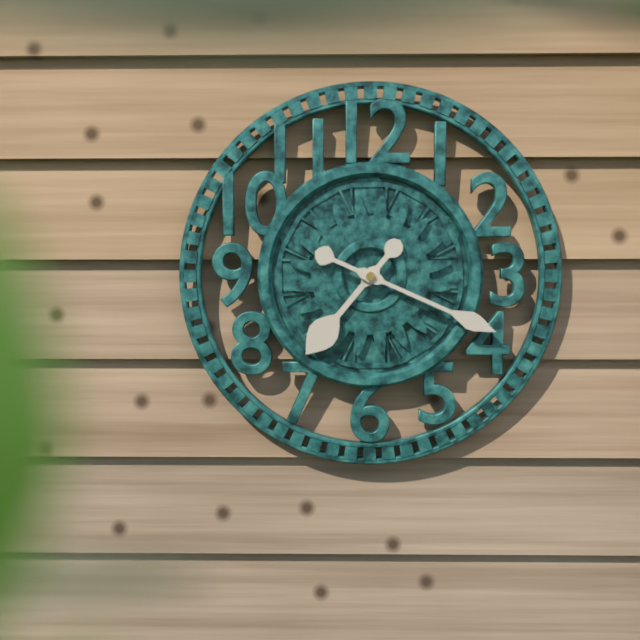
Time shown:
{"hour": 7, "minute": 19}
